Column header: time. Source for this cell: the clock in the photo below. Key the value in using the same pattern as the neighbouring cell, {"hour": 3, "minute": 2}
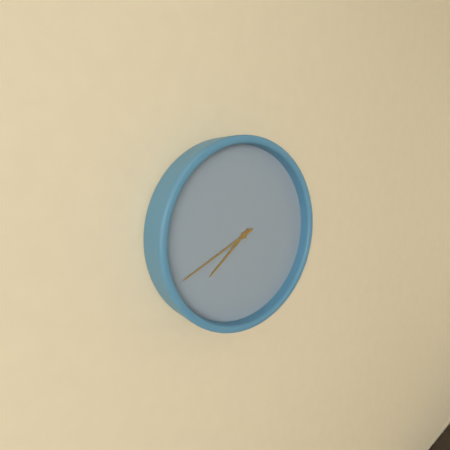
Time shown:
{"hour": 7, "minute": 41}
